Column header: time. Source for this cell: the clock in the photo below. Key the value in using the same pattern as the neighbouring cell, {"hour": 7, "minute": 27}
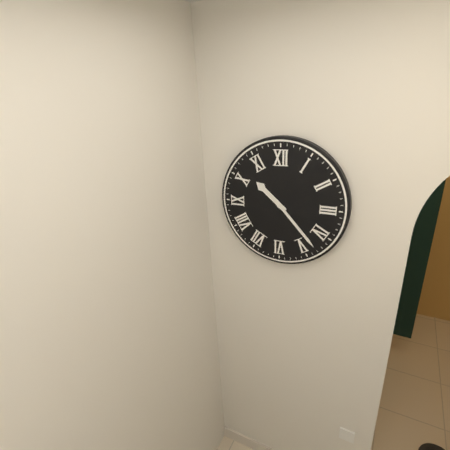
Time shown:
{"hour": 10, "minute": 23}
